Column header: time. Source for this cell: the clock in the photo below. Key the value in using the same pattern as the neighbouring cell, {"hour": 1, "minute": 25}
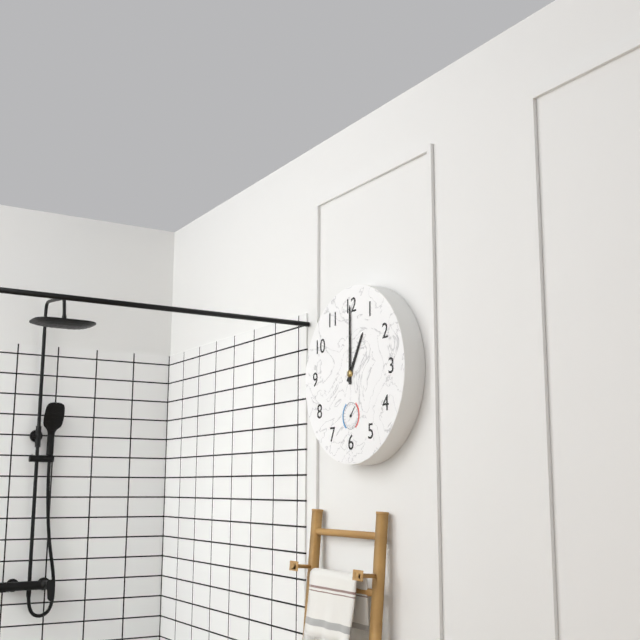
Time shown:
{"hour": 1, "minute": 0}
